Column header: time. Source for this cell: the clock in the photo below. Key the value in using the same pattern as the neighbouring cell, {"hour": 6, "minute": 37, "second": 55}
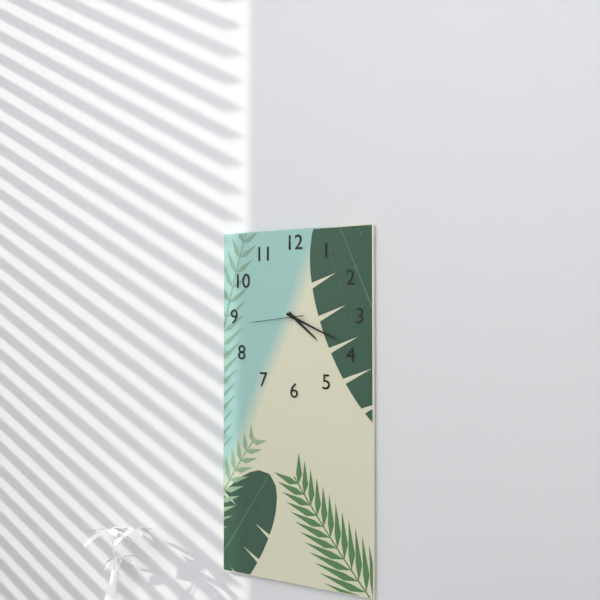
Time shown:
{"hour": 4, "minute": 19, "second": 44}
